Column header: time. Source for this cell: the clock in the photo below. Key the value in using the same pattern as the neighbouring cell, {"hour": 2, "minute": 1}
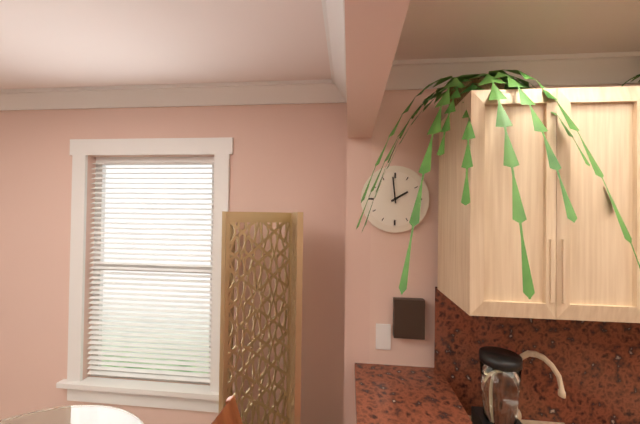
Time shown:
{"hour": 1, "minute": 59}
